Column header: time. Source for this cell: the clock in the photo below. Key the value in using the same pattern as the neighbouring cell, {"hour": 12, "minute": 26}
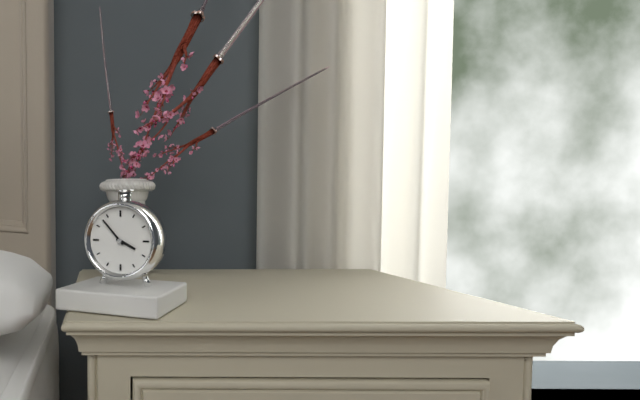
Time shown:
{"hour": 3, "minute": 53}
